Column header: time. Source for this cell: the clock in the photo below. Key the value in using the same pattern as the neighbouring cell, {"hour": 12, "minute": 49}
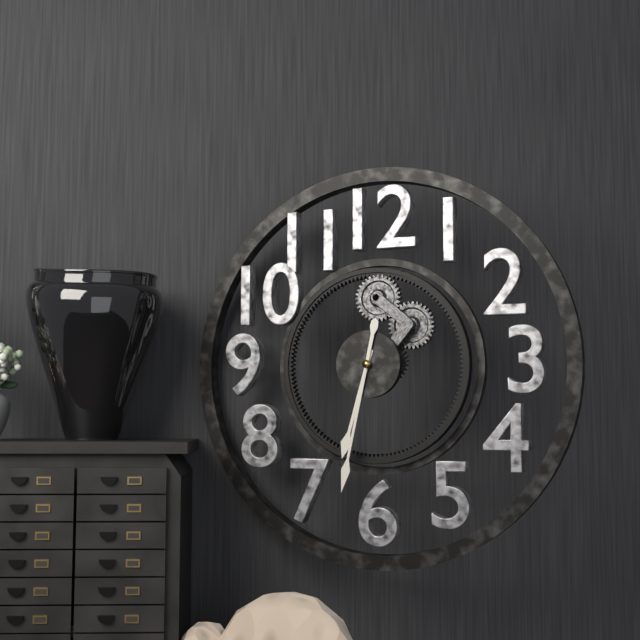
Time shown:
{"hour": 6, "minute": 32}
